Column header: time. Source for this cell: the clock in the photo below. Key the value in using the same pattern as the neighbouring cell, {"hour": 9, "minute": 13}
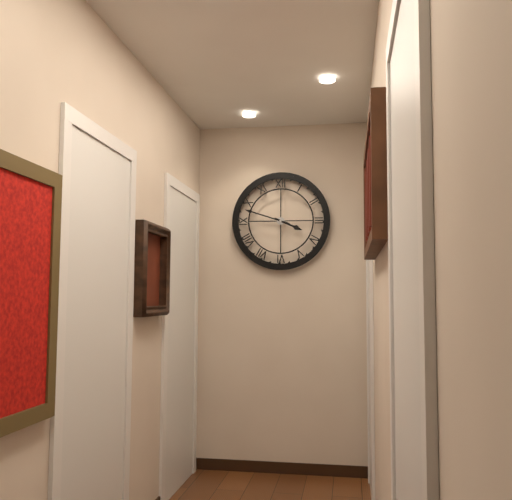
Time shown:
{"hour": 3, "minute": 48}
